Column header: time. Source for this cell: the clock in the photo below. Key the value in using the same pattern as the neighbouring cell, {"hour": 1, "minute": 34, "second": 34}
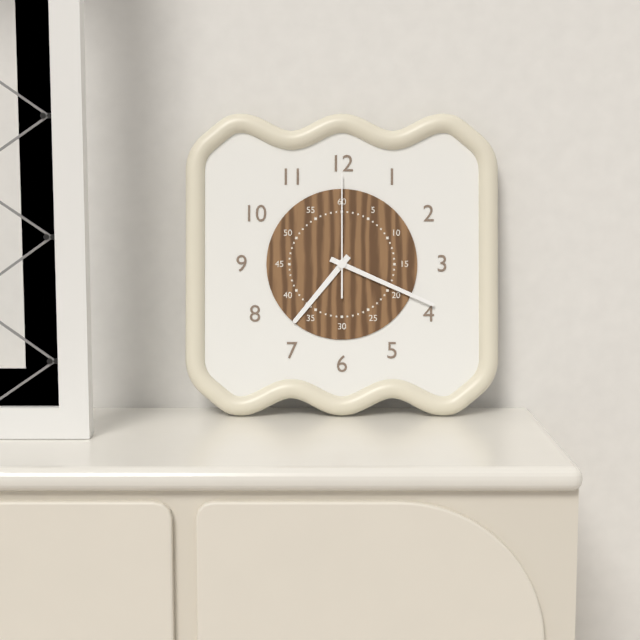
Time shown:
{"hour": 7, "minute": 19, "second": 0}
